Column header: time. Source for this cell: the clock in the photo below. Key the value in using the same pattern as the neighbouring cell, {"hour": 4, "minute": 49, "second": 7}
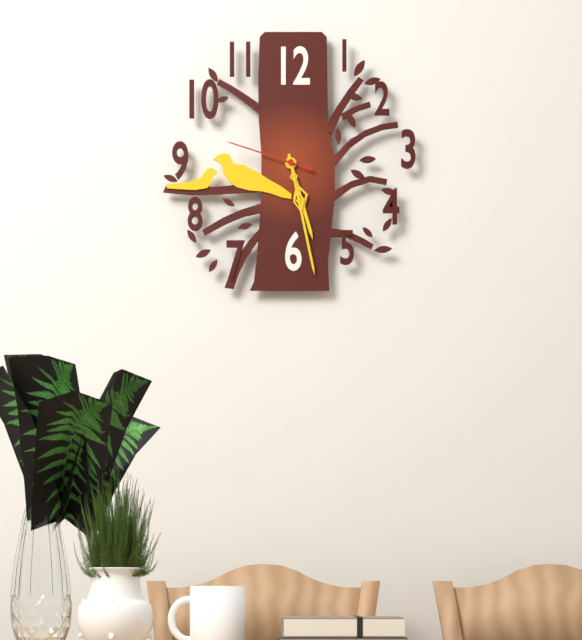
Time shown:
{"hour": 5, "minute": 28, "second": 48}
